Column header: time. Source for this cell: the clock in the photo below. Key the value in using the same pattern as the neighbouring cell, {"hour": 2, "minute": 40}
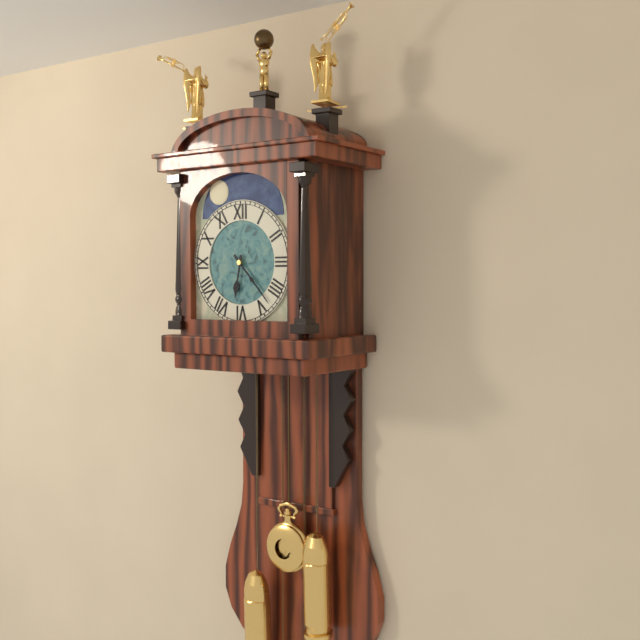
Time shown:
{"hour": 6, "minute": 23}
